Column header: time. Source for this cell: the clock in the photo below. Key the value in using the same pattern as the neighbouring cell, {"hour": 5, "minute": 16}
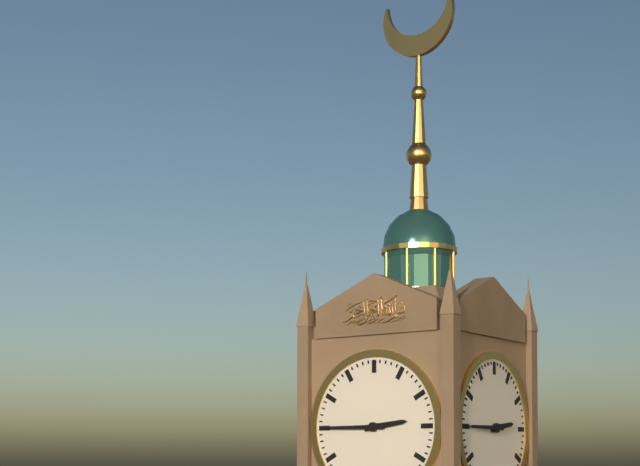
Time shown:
{"hour": 2, "minute": 45}
